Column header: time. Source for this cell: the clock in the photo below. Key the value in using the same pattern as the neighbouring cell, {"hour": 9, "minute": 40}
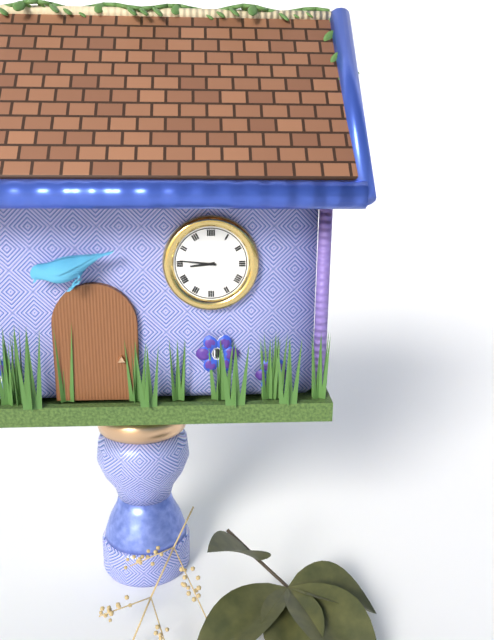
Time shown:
{"hour": 8, "minute": 46}
